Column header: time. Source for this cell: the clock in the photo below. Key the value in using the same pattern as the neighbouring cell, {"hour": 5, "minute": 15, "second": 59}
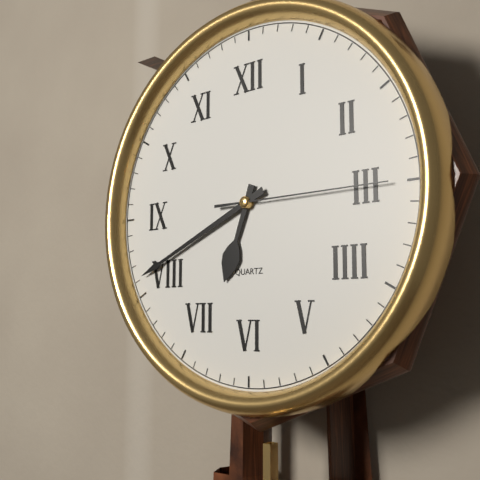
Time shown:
{"hour": 6, "minute": 41, "second": 15}
